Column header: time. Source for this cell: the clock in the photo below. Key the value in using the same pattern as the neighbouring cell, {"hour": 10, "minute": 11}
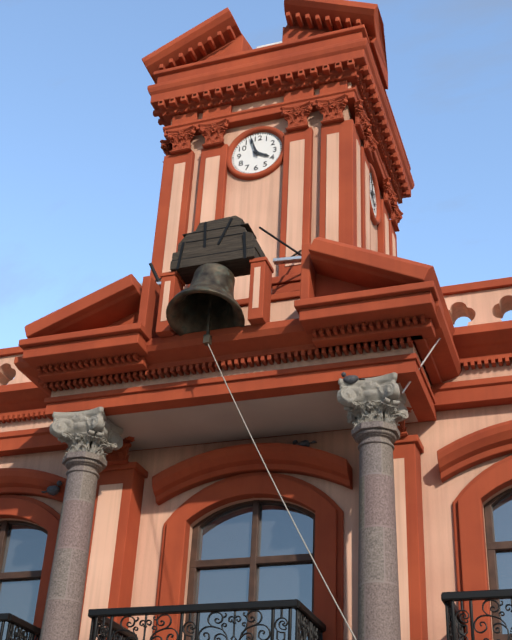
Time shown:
{"hour": 3, "minute": 57}
